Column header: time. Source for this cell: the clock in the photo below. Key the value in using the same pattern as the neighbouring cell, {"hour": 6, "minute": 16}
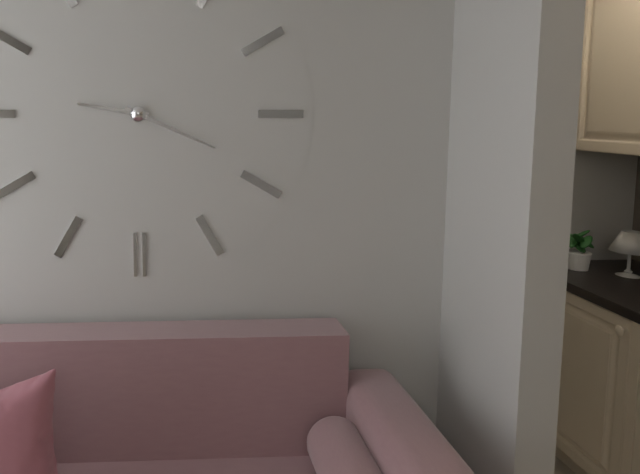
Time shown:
{"hour": 9, "minute": 19}
